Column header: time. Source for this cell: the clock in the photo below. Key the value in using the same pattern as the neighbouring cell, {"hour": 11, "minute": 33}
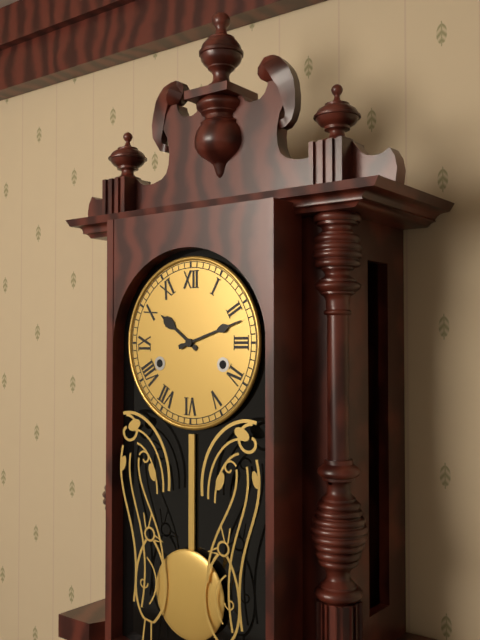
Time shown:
{"hour": 10, "minute": 12}
